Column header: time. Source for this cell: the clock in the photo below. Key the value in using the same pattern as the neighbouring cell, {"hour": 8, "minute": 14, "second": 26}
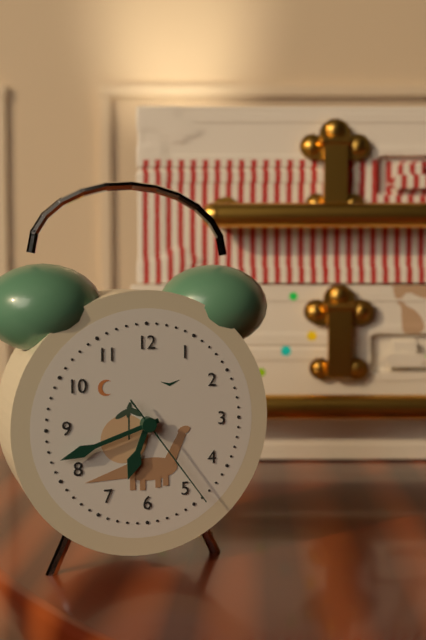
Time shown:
{"hour": 6, "minute": 42, "second": 24}
